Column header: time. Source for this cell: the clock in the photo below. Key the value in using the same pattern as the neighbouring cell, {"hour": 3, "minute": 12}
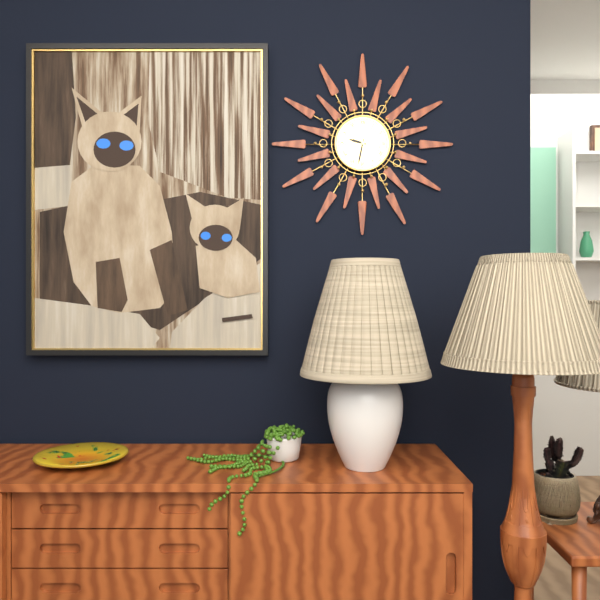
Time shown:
{"hour": 9, "minute": 32}
